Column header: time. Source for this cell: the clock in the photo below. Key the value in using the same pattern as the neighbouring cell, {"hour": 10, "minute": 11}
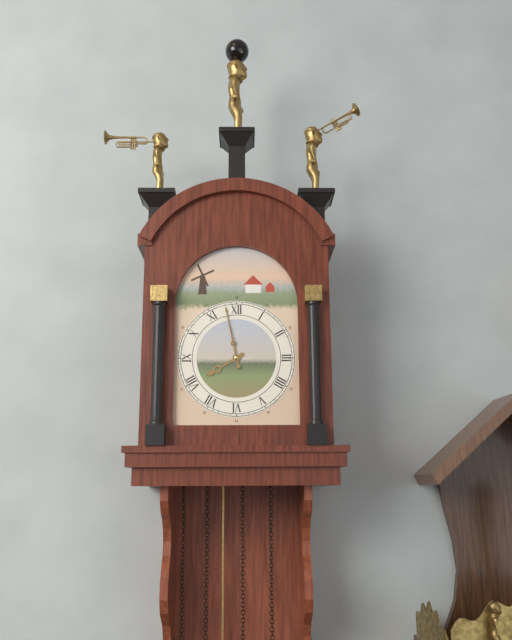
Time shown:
{"hour": 7, "minute": 58}
